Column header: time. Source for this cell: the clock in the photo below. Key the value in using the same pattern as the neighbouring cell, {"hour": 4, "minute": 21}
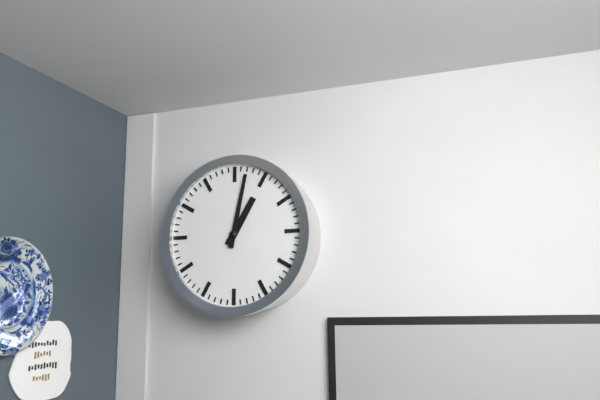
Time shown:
{"hour": 1, "minute": 2}
